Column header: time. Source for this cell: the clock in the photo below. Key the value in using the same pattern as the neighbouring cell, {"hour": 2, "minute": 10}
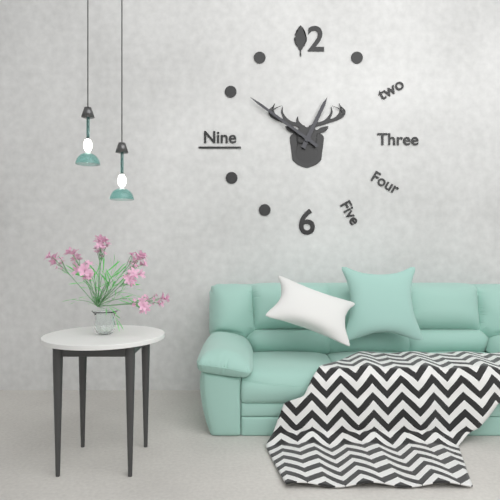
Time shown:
{"hour": 12, "minute": 51}
